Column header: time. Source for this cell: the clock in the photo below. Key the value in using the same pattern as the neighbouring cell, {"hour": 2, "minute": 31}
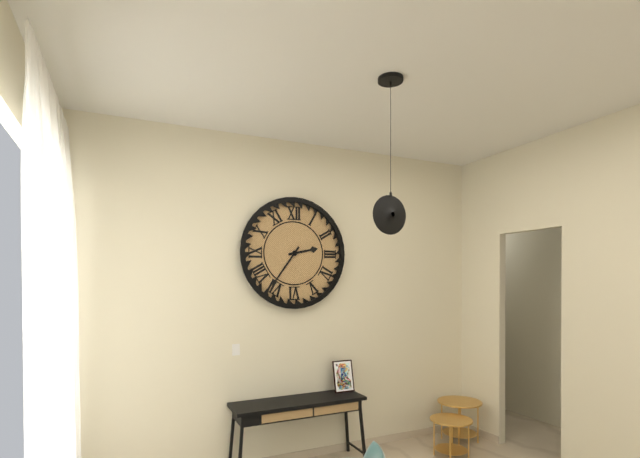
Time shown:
{"hour": 2, "minute": 36}
